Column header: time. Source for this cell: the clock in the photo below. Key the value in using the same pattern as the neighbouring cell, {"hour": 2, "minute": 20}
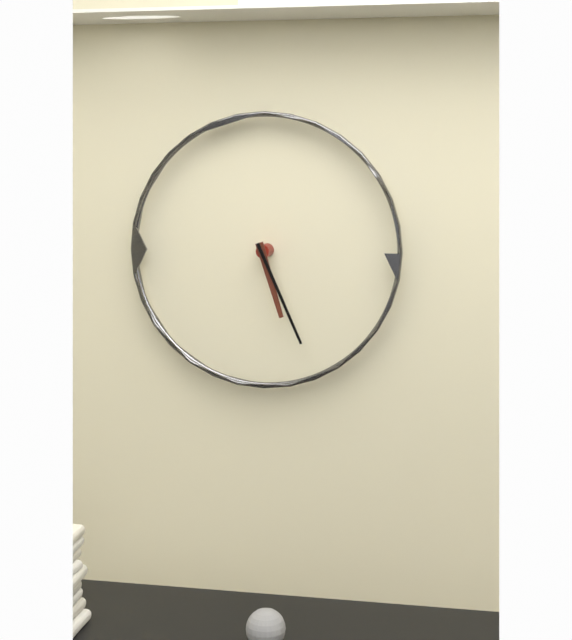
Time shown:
{"hour": 5, "minute": 26}
